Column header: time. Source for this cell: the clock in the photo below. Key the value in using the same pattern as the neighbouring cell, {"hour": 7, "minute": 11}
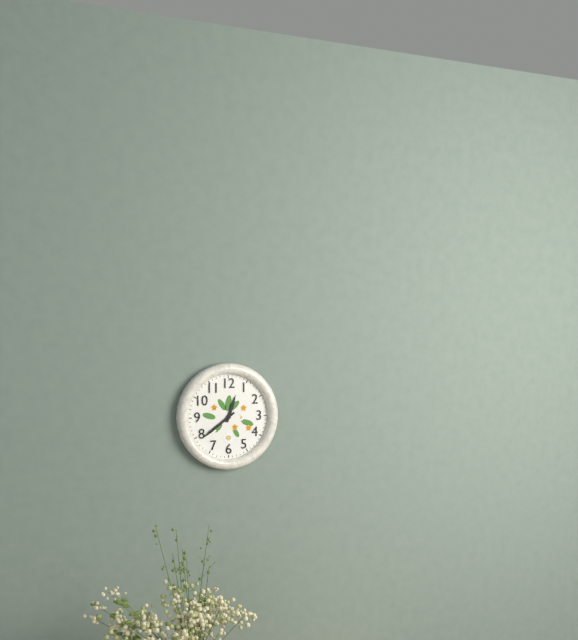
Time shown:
{"hour": 12, "minute": 39}
